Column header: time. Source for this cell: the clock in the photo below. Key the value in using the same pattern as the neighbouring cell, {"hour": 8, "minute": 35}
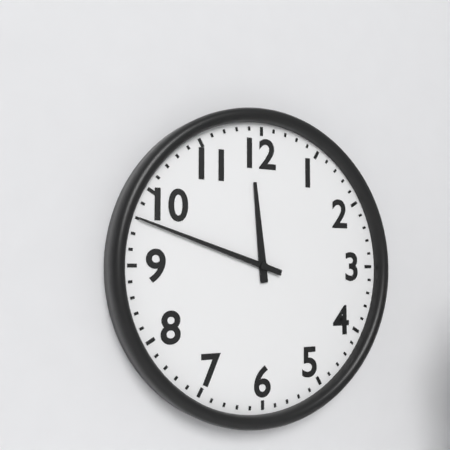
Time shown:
{"hour": 11, "minute": 48}
